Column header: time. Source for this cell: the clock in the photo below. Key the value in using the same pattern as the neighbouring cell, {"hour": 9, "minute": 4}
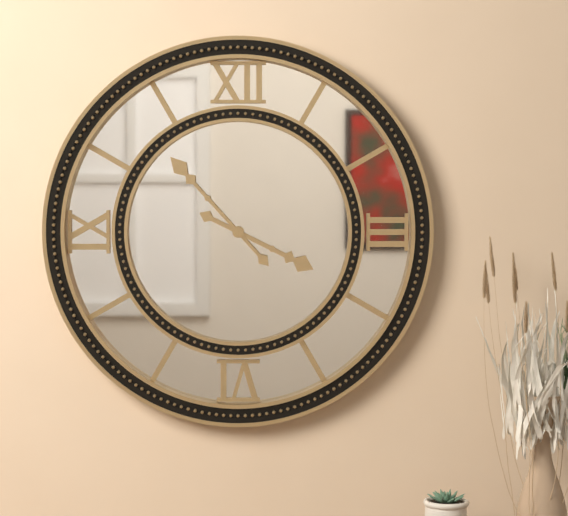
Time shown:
{"hour": 3, "minute": 53}
